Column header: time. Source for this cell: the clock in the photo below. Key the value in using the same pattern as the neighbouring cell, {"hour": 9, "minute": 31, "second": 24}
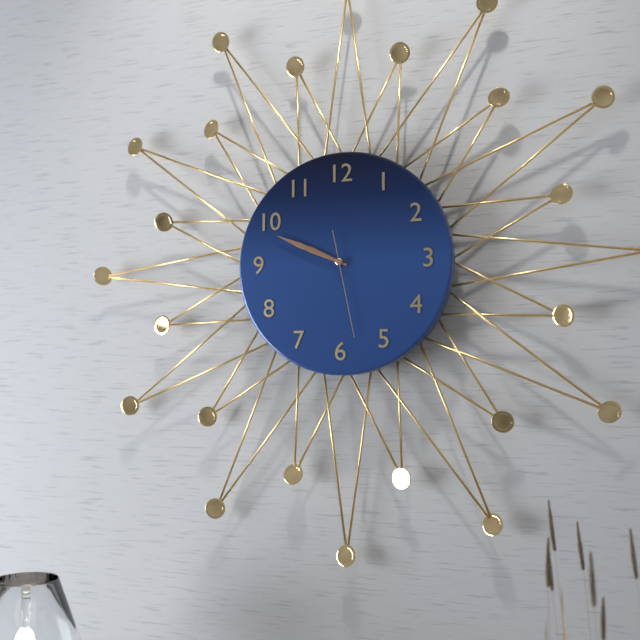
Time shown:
{"hour": 9, "minute": 49, "second": 28}
